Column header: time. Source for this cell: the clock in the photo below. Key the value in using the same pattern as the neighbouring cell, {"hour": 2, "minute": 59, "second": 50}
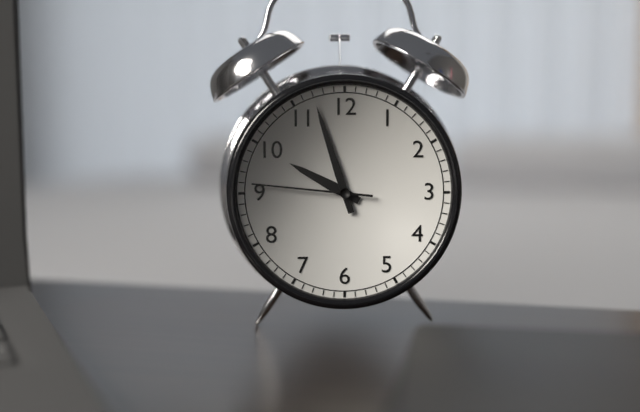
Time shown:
{"hour": 9, "minute": 57, "second": 46}
